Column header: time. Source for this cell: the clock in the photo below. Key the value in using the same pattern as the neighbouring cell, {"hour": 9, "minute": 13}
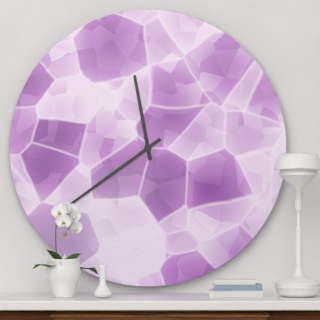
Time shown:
{"hour": 11, "minute": 39}
